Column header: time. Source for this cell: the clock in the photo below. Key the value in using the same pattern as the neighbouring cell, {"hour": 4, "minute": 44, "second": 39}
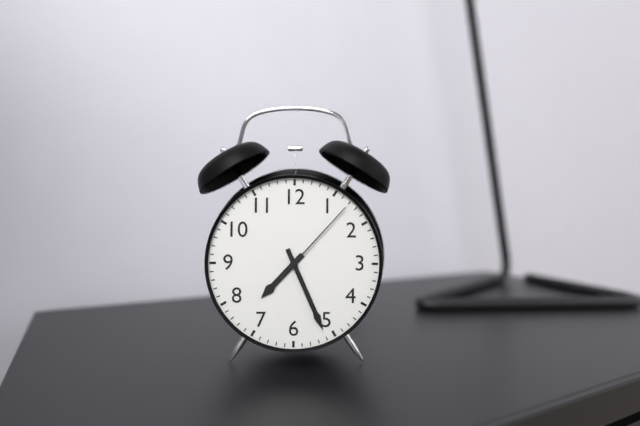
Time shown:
{"hour": 7, "minute": 26, "second": 7}
